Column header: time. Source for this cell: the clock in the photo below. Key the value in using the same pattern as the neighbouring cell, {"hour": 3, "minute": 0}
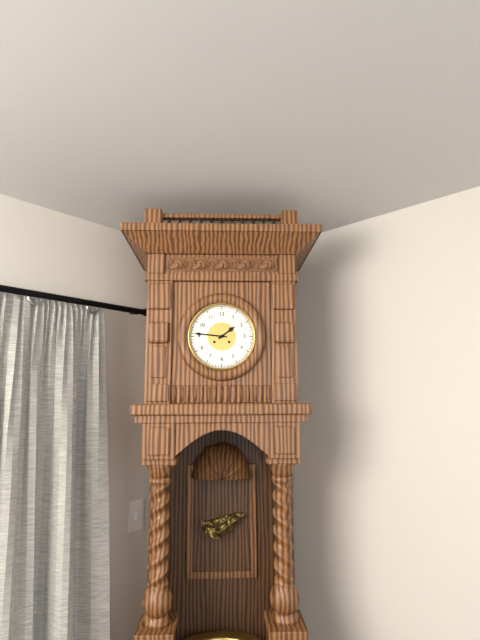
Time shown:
{"hour": 1, "minute": 46}
